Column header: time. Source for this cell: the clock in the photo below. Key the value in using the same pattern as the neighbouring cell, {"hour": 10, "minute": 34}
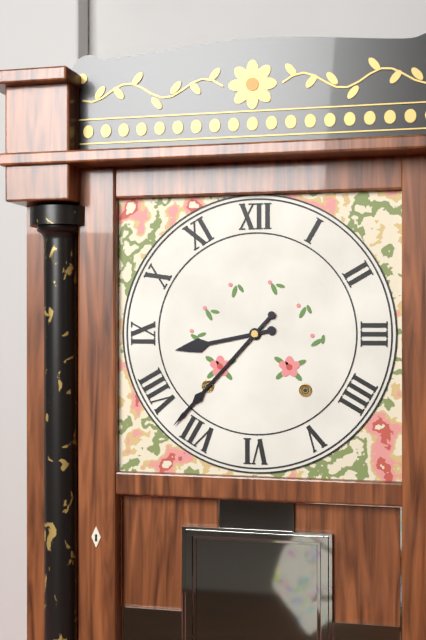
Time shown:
{"hour": 8, "minute": 37}
